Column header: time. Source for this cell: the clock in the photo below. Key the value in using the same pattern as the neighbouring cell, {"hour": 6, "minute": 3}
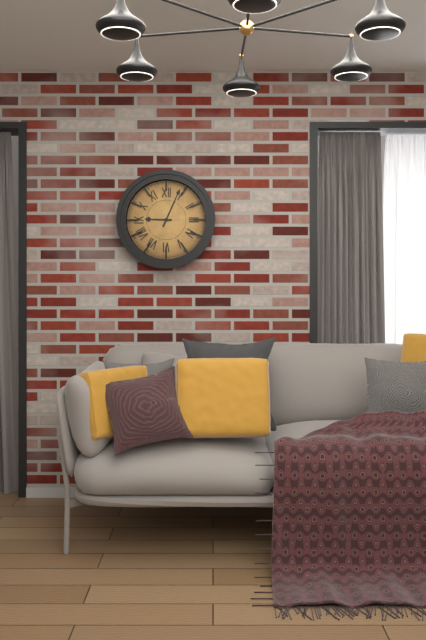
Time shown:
{"hour": 9, "minute": 4}
